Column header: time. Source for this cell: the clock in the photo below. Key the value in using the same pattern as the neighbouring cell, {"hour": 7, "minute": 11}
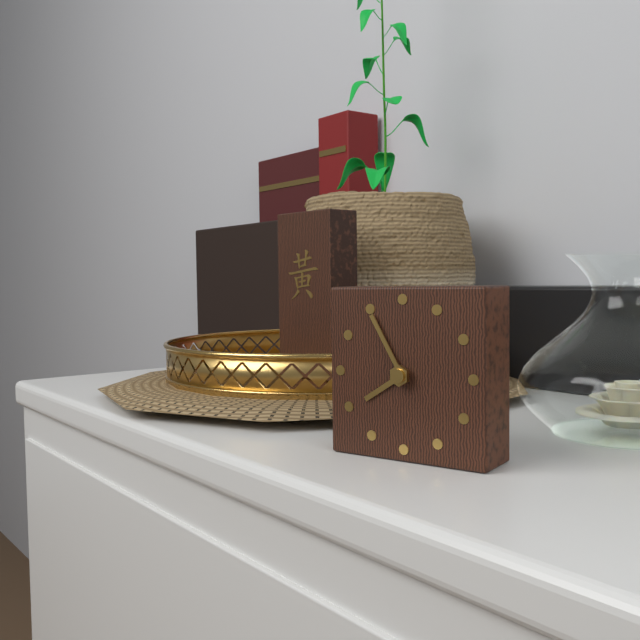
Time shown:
{"hour": 7, "minute": 55}
